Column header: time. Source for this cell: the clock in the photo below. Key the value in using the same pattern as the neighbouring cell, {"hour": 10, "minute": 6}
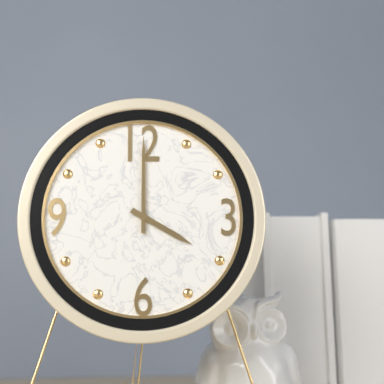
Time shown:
{"hour": 4, "minute": 0}
